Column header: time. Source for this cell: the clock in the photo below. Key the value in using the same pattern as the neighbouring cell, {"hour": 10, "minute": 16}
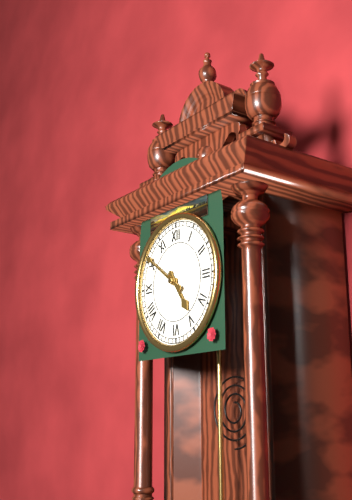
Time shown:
{"hour": 4, "minute": 51}
